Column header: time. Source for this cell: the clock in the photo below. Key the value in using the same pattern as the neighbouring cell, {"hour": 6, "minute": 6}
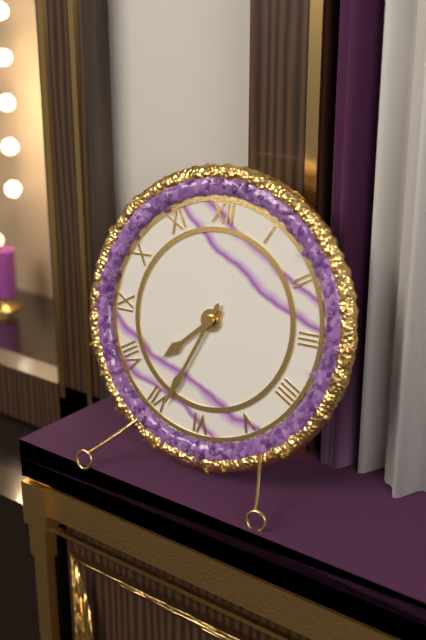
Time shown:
{"hour": 7, "minute": 34}
